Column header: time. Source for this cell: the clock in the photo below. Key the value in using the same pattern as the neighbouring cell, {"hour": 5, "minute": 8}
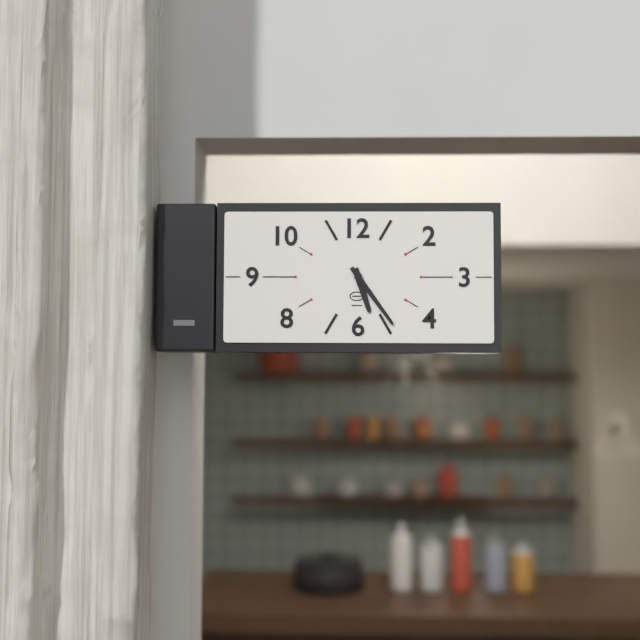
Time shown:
{"hour": 5, "minute": 24}
